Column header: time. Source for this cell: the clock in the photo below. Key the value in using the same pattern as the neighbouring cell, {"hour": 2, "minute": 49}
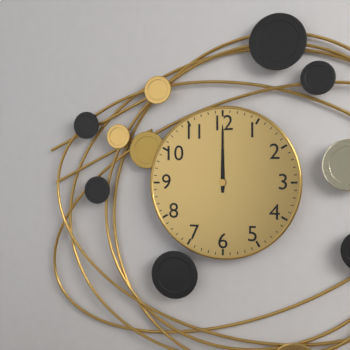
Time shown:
{"hour": 12, "minute": 0}
